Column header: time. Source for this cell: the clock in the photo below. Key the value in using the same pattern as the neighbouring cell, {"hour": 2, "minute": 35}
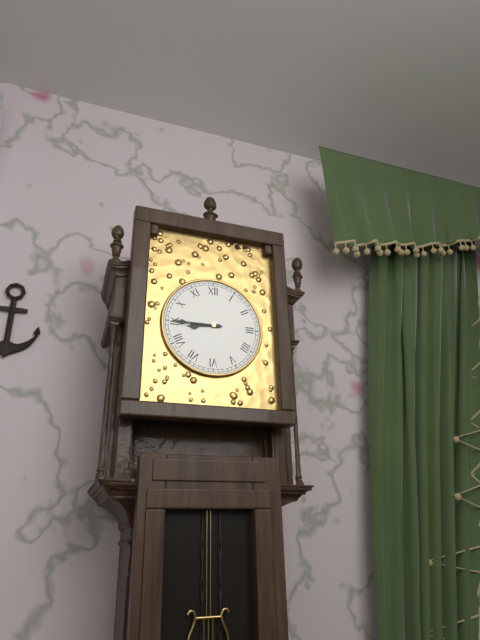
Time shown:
{"hour": 8, "minute": 45}
